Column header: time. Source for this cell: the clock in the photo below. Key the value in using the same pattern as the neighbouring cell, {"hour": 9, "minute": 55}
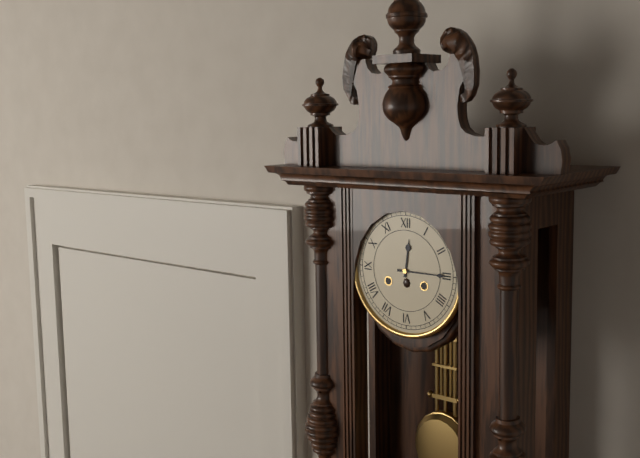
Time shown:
{"hour": 12, "minute": 15}
